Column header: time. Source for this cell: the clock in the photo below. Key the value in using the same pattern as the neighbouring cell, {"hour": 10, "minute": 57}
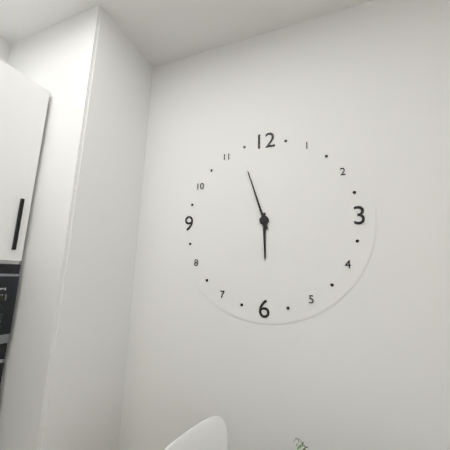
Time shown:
{"hour": 5, "minute": 57}
